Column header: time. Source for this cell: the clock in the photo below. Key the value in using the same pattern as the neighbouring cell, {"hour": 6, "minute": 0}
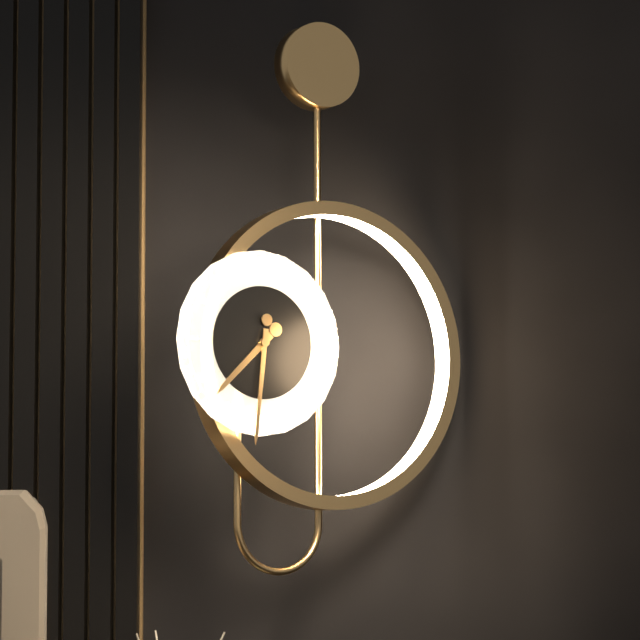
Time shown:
{"hour": 7, "minute": 31}
